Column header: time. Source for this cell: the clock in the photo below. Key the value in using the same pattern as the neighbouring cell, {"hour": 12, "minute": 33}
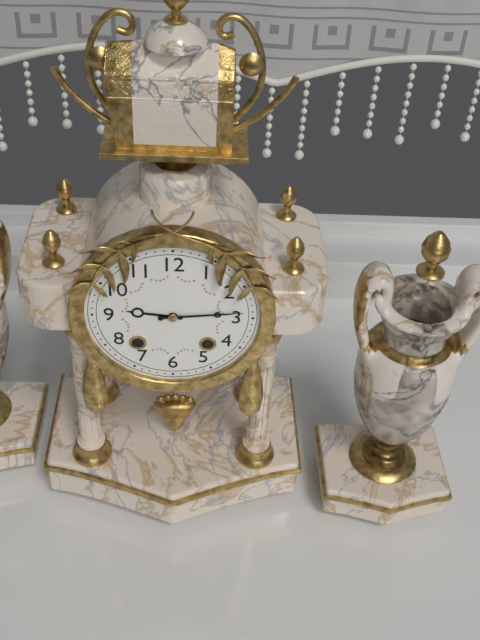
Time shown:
{"hour": 9, "minute": 14}
